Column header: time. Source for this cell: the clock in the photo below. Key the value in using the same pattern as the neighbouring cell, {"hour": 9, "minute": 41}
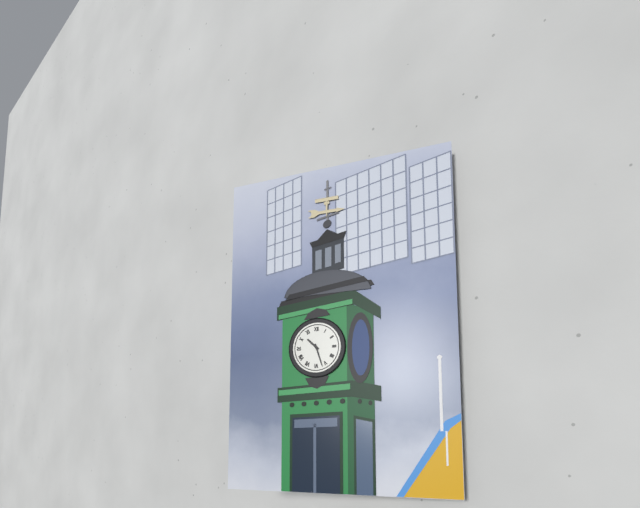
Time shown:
{"hour": 10, "minute": 27}
